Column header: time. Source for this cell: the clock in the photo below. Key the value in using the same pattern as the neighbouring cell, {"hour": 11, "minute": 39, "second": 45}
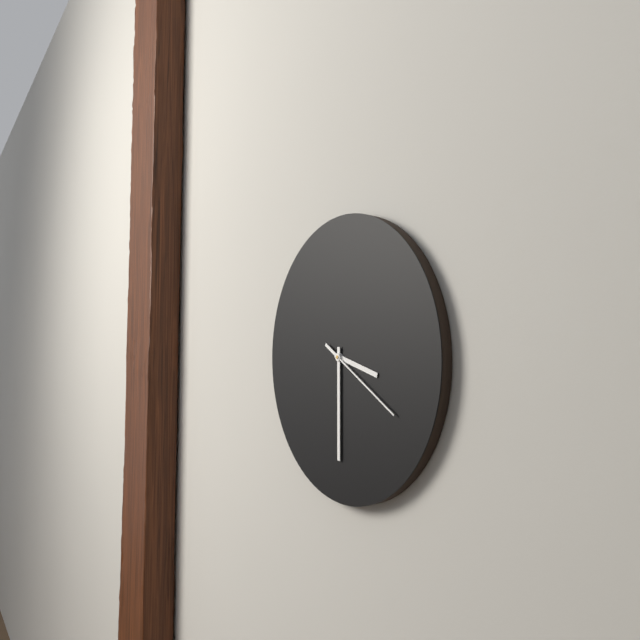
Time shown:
{"hour": 3, "minute": 30, "second": 20}
